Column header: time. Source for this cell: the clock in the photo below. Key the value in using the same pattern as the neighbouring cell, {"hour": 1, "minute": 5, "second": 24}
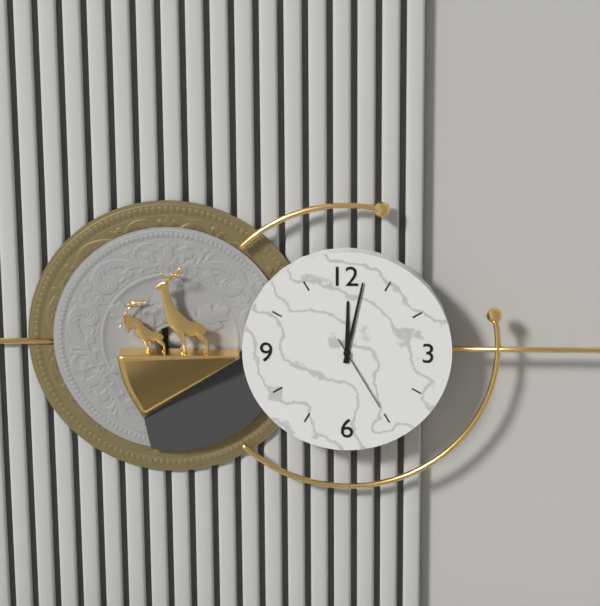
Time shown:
{"hour": 12, "minute": 2, "second": 25}
